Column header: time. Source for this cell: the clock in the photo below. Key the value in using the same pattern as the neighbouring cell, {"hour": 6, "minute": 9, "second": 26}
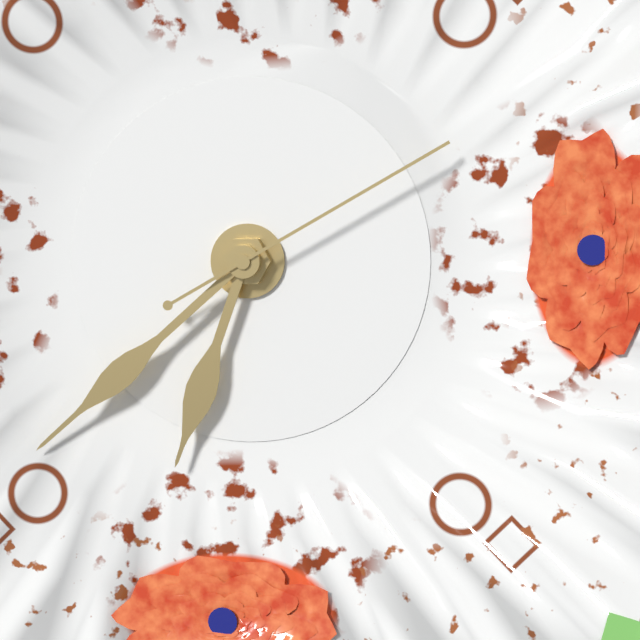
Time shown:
{"hour": 6, "minute": 38, "second": 10}
